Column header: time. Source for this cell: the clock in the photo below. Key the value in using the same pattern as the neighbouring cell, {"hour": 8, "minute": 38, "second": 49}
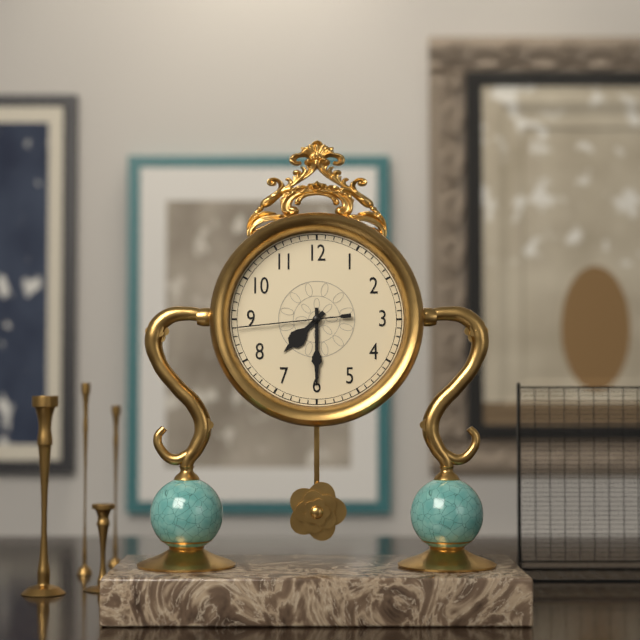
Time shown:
{"hour": 7, "minute": 30, "second": 44}
